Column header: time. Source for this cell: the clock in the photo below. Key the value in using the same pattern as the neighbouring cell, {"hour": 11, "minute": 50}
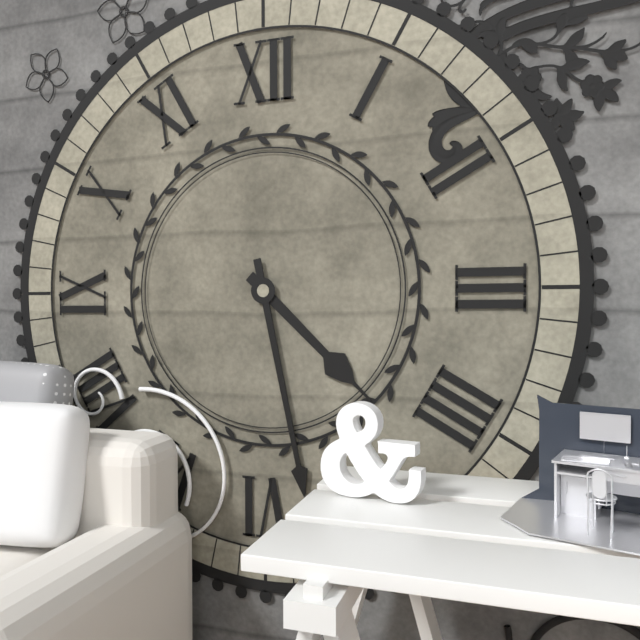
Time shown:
{"hour": 4, "minute": 28}
